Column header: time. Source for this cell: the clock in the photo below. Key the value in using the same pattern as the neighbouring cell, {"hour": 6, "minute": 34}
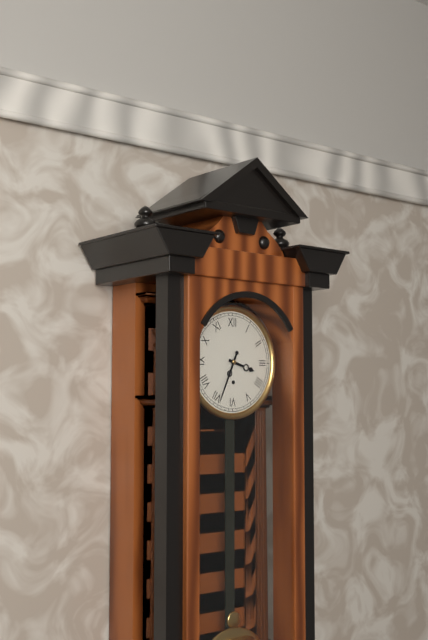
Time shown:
{"hour": 3, "minute": 34}
